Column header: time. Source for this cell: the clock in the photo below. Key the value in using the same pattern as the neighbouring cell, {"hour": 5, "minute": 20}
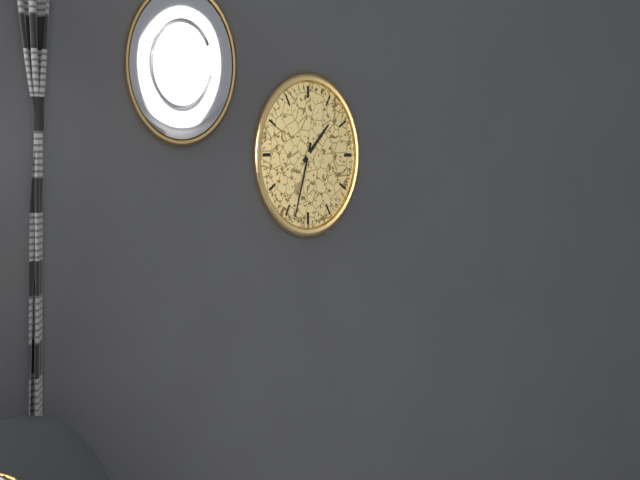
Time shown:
{"hour": 1, "minute": 33}
